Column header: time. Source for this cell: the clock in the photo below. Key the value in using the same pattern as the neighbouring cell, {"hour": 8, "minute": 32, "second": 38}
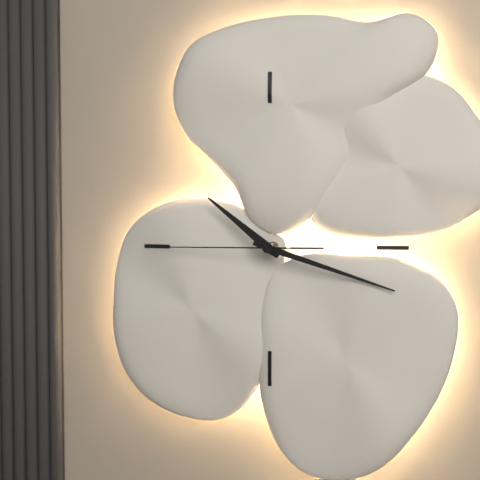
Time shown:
{"hour": 10, "minute": 18, "second": 45}
